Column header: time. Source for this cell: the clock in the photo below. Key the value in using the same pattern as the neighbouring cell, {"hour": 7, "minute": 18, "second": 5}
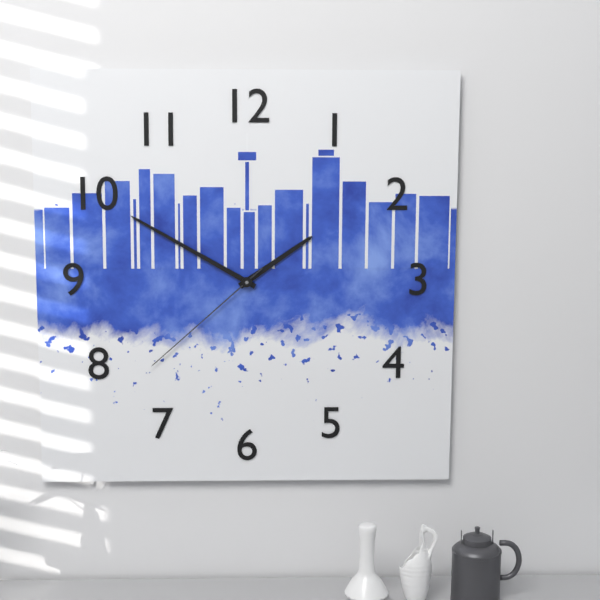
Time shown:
{"hour": 1, "minute": 50, "second": 38}
